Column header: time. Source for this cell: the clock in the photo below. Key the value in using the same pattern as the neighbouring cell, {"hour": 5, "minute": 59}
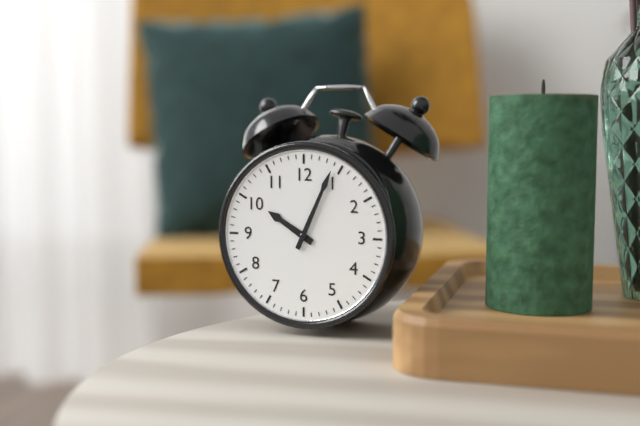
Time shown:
{"hour": 10, "minute": 4}
